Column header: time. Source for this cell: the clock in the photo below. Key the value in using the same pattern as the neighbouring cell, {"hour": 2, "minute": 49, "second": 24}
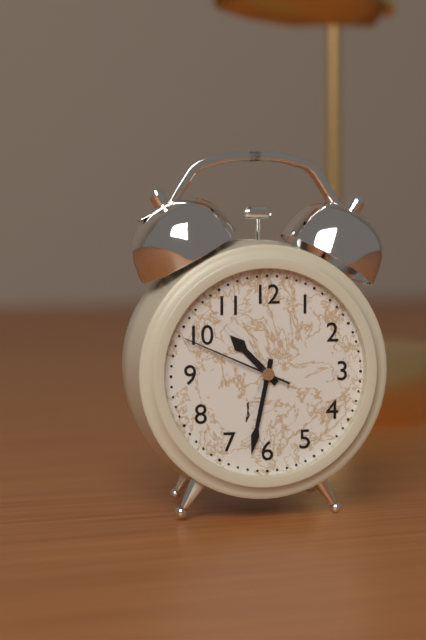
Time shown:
{"hour": 10, "minute": 32, "second": 49}
